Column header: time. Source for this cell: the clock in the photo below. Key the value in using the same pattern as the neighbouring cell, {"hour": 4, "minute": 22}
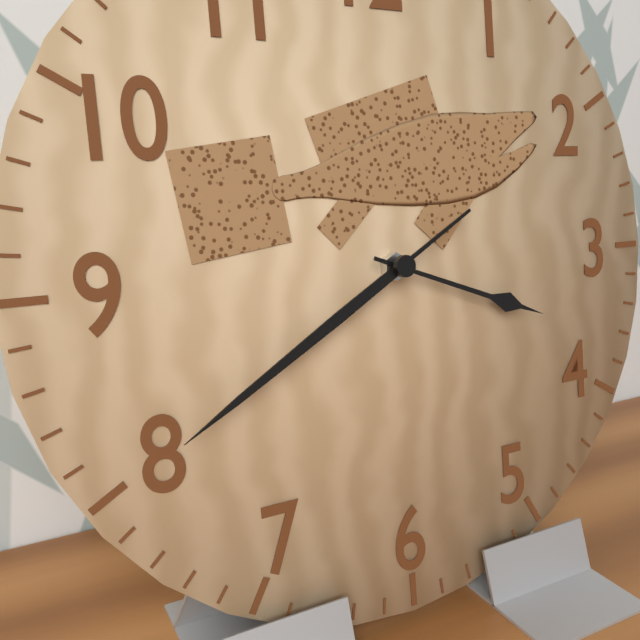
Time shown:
{"hour": 3, "minute": 40}
